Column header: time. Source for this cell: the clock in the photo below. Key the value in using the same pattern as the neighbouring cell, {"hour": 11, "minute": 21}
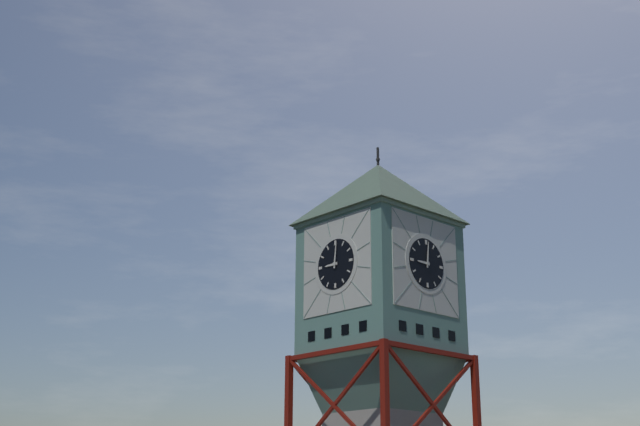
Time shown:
{"hour": 9, "minute": 1}
